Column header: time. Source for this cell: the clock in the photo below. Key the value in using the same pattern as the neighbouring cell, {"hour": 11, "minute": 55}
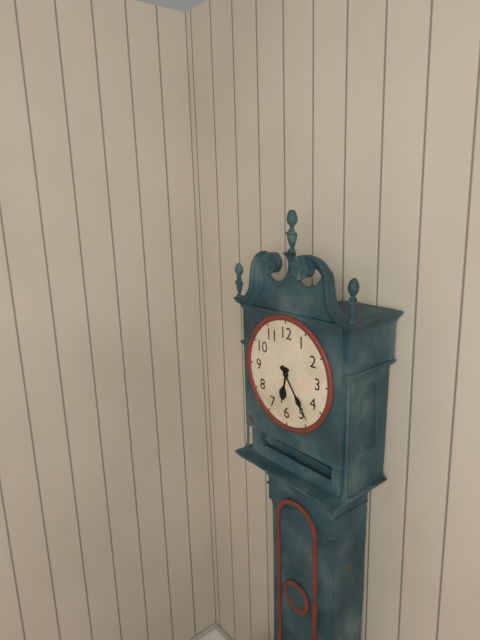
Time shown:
{"hour": 6, "minute": 24}
